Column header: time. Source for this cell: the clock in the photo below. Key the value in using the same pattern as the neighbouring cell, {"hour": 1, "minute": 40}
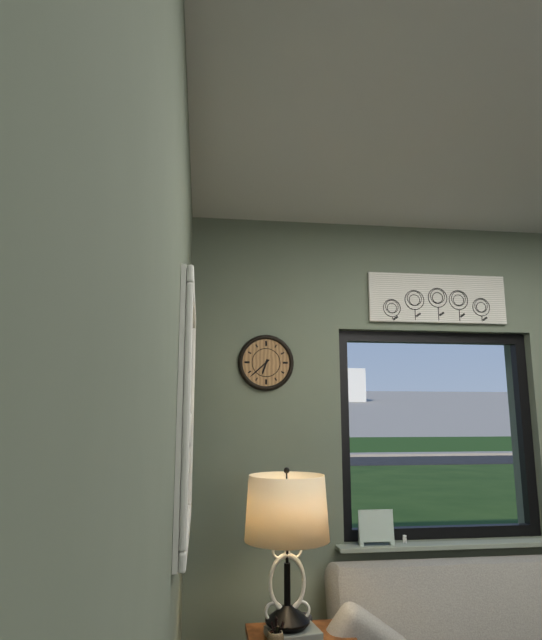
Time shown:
{"hour": 6, "minute": 38}
